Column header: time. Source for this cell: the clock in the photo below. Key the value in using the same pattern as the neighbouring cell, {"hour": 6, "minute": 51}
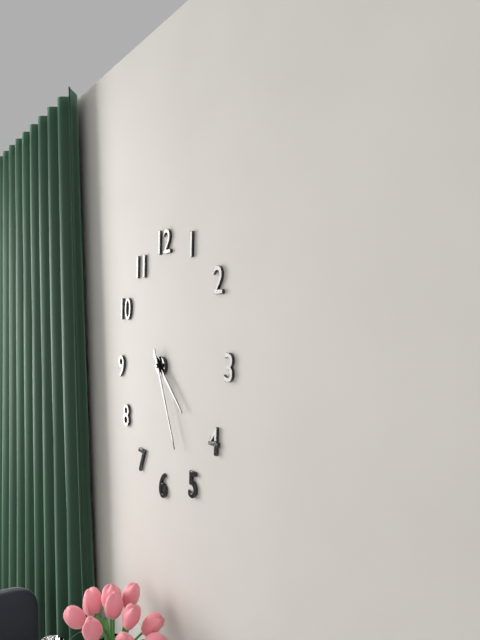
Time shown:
{"hour": 4, "minute": 26}
